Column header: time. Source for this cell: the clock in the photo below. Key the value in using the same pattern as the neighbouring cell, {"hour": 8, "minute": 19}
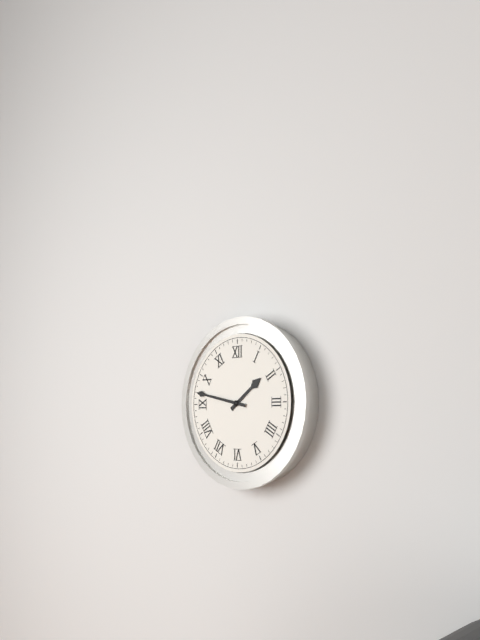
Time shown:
{"hour": 1, "minute": 47}
